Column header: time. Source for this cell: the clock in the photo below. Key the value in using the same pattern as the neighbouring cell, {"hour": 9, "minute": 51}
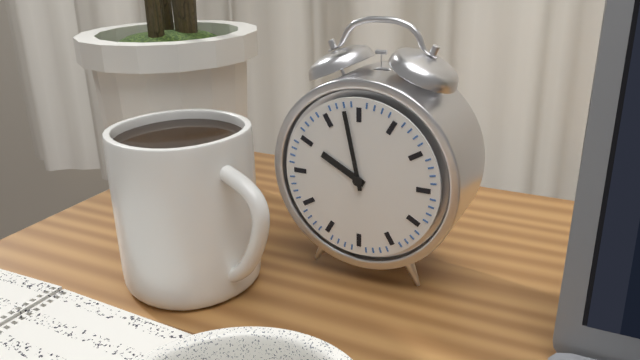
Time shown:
{"hour": 9, "minute": 58}
